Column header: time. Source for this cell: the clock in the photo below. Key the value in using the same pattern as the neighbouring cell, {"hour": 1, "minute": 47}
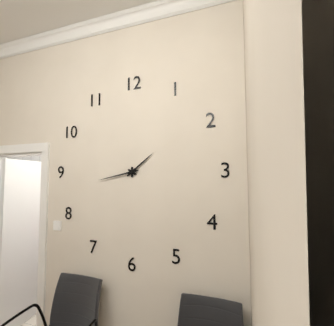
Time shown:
{"hour": 1, "minute": 43}
